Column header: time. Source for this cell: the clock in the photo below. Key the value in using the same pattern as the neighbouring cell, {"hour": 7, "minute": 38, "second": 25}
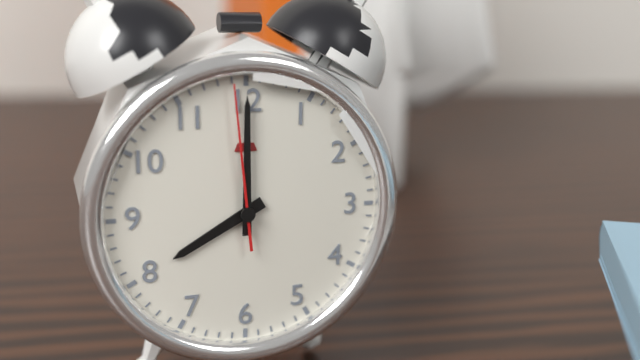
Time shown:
{"hour": 8, "minute": 0, "second": 59}
